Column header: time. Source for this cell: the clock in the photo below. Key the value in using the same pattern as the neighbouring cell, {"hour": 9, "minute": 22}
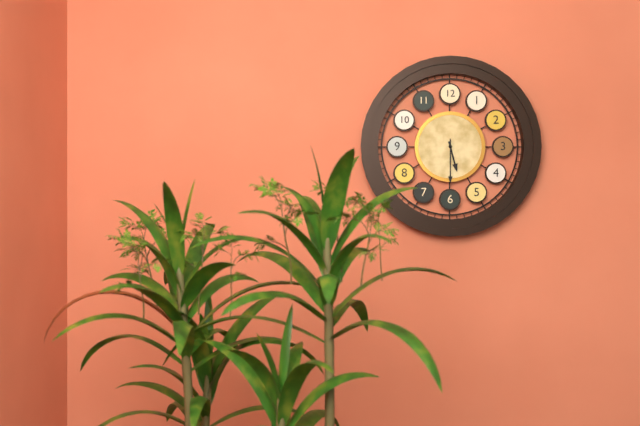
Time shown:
{"hour": 5, "minute": 30}
